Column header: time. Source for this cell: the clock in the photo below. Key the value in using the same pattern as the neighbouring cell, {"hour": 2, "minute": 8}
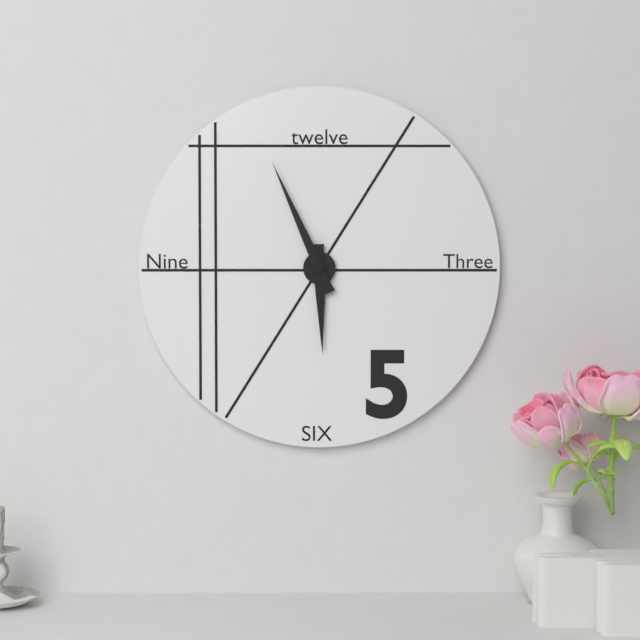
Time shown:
{"hour": 5, "minute": 56}
